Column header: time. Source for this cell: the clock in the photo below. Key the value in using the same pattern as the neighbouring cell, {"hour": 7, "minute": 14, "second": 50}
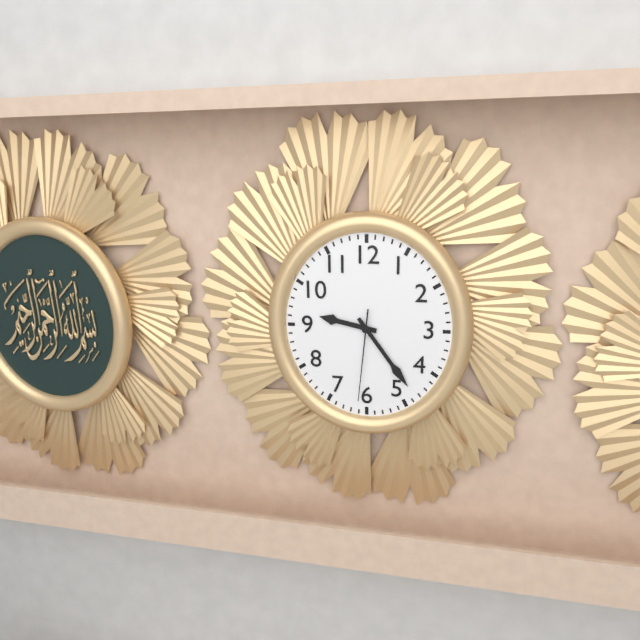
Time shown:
{"hour": 9, "minute": 24, "second": 31}
